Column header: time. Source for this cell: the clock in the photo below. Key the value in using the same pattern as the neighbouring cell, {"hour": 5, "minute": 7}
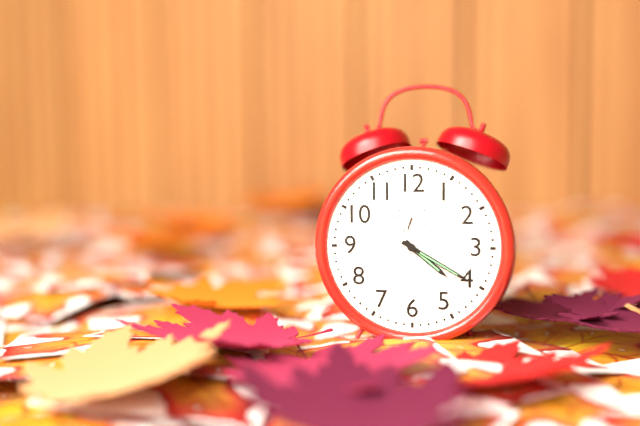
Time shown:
{"hour": 4, "minute": 20}
